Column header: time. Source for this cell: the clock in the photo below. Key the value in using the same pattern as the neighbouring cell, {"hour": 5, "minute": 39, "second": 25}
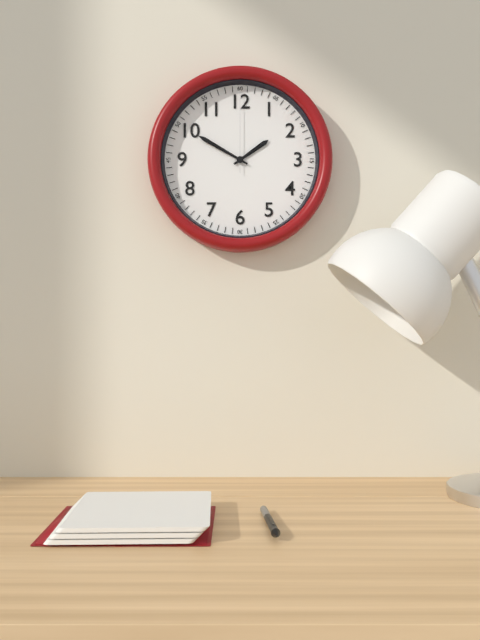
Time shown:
{"hour": 1, "minute": 50, "second": 0}
